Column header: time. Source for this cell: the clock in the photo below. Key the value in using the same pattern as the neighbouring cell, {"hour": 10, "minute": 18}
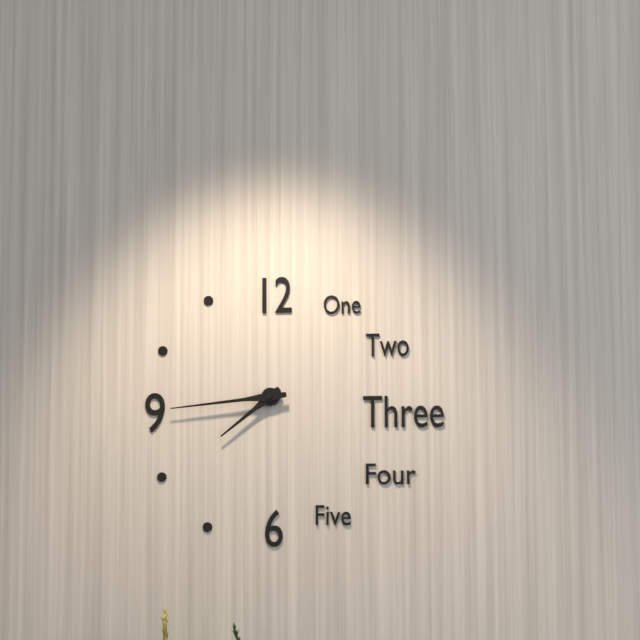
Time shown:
{"hour": 7, "minute": 44}
